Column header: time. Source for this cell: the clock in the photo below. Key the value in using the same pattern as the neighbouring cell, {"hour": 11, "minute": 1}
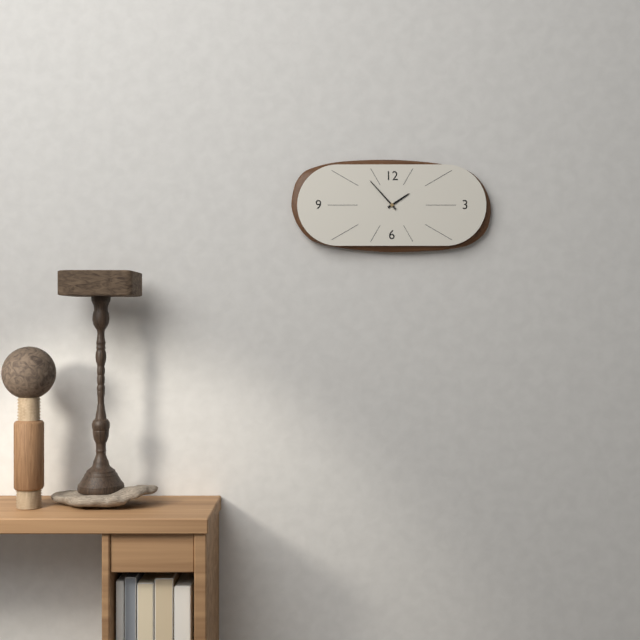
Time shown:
{"hour": 1, "minute": 53}
